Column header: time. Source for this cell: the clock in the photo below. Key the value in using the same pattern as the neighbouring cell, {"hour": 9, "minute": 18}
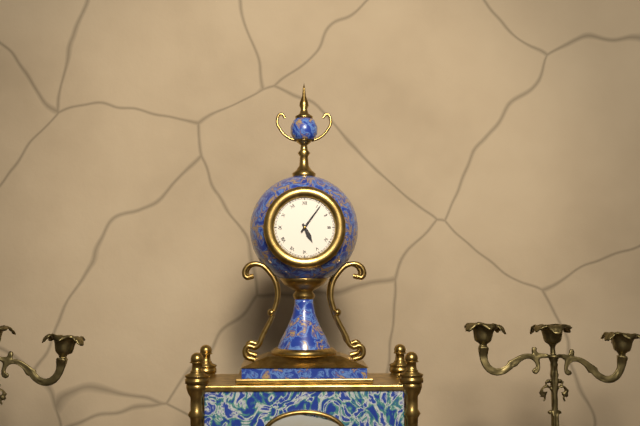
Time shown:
{"hour": 5, "minute": 6}
